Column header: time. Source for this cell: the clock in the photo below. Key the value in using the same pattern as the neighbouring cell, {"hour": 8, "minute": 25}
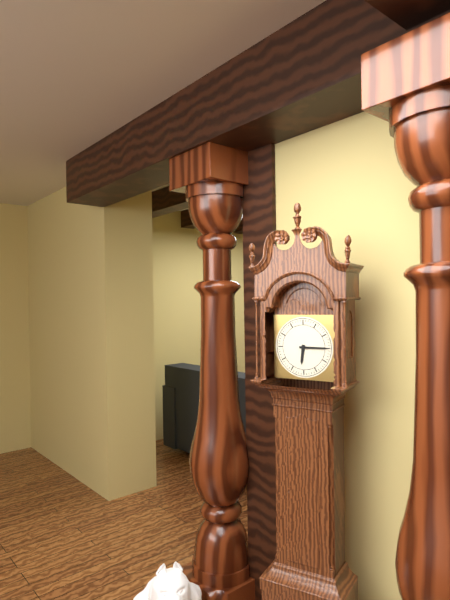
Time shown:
{"hour": 6, "minute": 15}
